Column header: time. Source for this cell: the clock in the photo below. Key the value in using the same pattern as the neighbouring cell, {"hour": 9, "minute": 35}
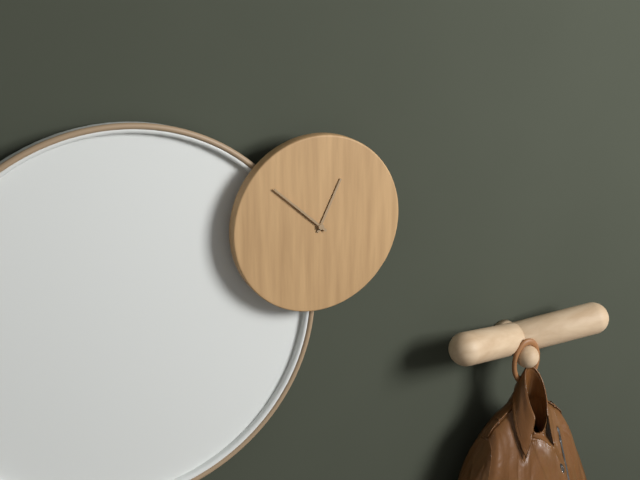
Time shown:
{"hour": 12, "minute": 52}
